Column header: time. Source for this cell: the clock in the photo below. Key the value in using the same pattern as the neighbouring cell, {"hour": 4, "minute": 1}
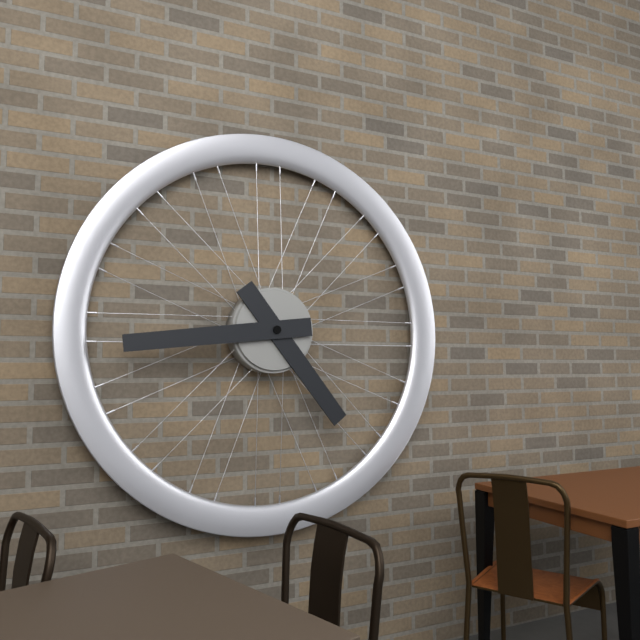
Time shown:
{"hour": 4, "minute": 44}
